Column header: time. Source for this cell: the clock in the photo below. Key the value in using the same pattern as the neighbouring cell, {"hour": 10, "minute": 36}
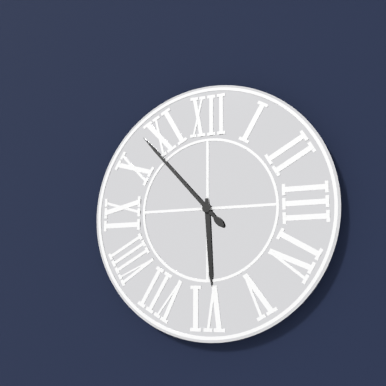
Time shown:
{"hour": 5, "minute": 53}
